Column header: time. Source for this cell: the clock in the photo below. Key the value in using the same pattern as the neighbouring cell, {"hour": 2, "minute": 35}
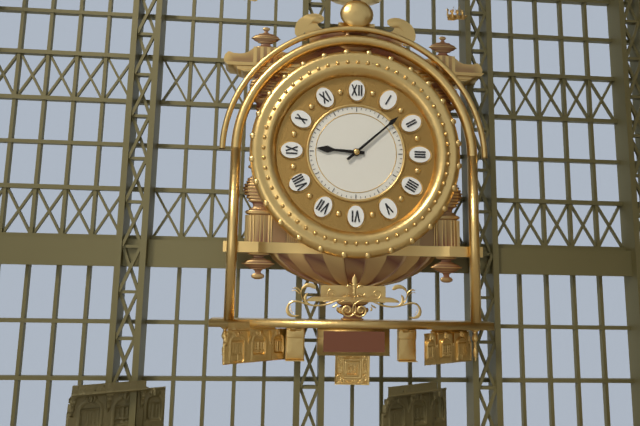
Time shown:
{"hour": 9, "minute": 8}
